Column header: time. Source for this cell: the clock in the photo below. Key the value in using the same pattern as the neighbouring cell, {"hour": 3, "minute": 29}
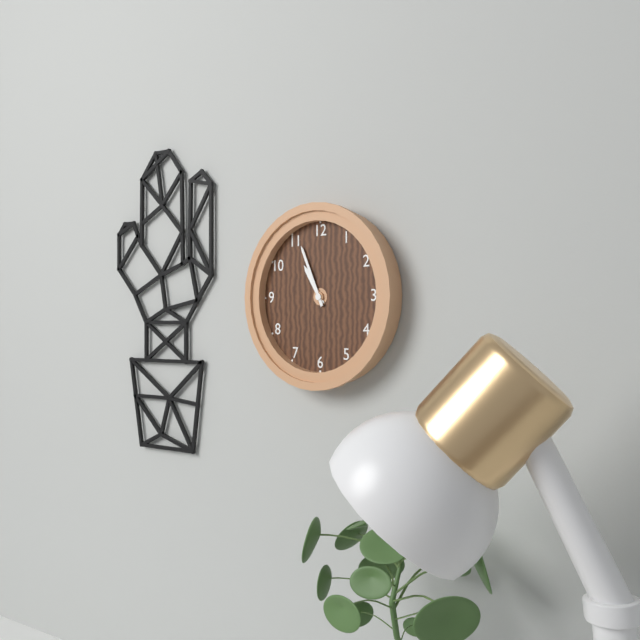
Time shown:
{"hour": 10, "minute": 56}
